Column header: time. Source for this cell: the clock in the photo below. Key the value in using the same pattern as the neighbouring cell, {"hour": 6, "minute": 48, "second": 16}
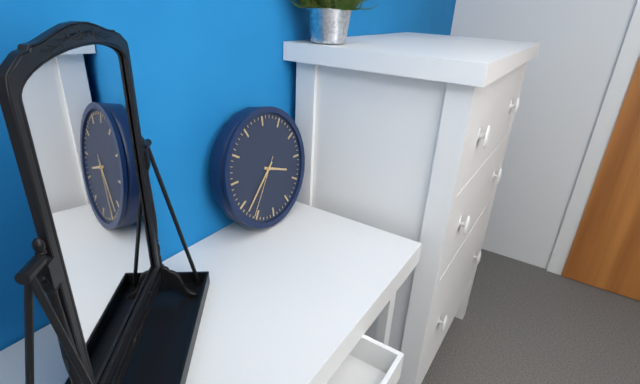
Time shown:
{"hour": 3, "minute": 38, "second": 36}
